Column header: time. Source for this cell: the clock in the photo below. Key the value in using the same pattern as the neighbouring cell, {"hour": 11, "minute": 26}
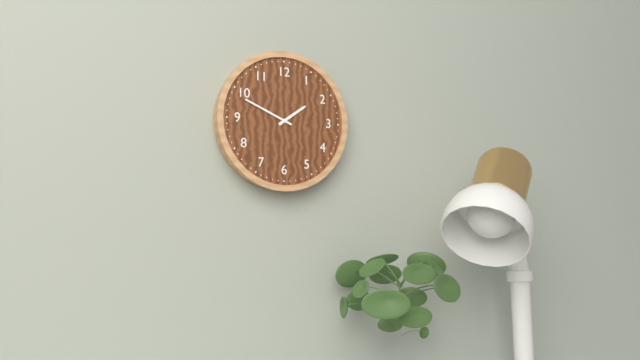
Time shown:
{"hour": 1, "minute": 49}
